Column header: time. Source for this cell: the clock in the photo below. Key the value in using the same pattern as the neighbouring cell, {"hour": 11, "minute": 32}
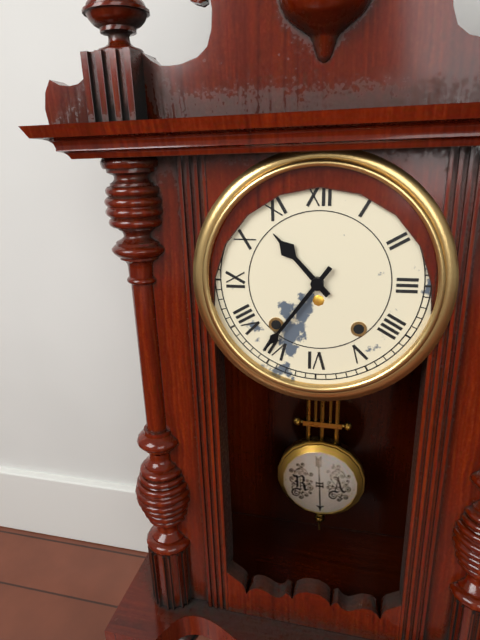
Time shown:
{"hour": 10, "minute": 36}
